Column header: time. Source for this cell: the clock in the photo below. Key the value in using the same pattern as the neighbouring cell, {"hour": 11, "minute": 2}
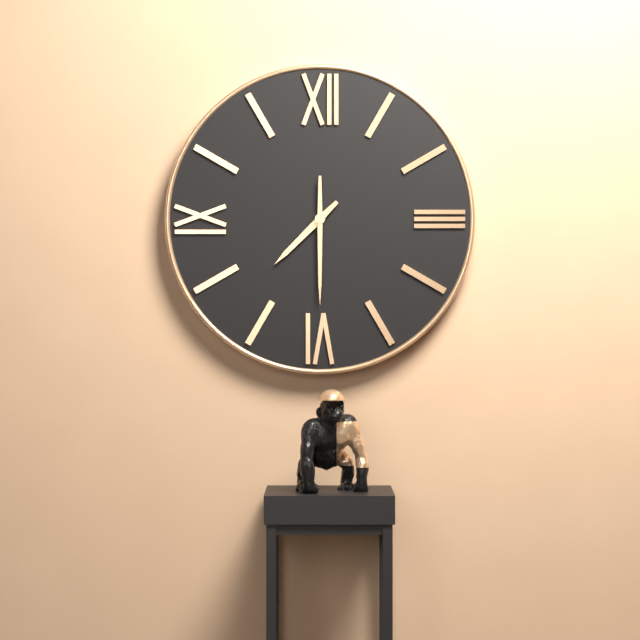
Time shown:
{"hour": 7, "minute": 30}
